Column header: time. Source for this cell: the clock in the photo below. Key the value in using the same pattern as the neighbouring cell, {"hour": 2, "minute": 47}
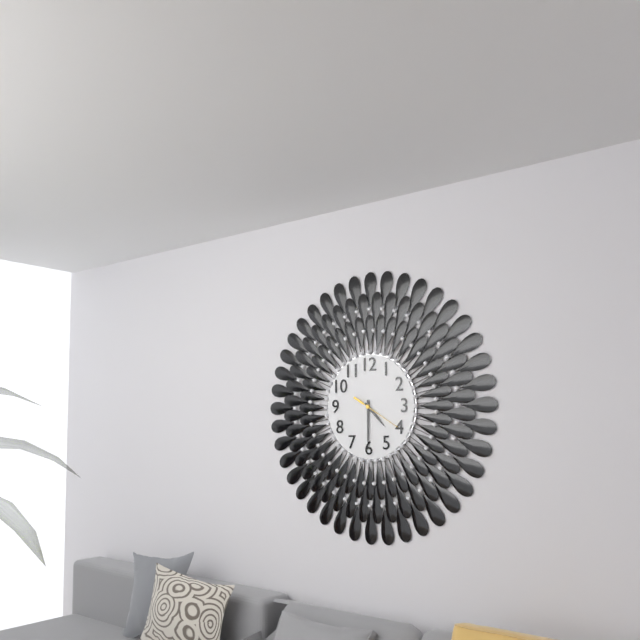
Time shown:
{"hour": 4, "minute": 30}
